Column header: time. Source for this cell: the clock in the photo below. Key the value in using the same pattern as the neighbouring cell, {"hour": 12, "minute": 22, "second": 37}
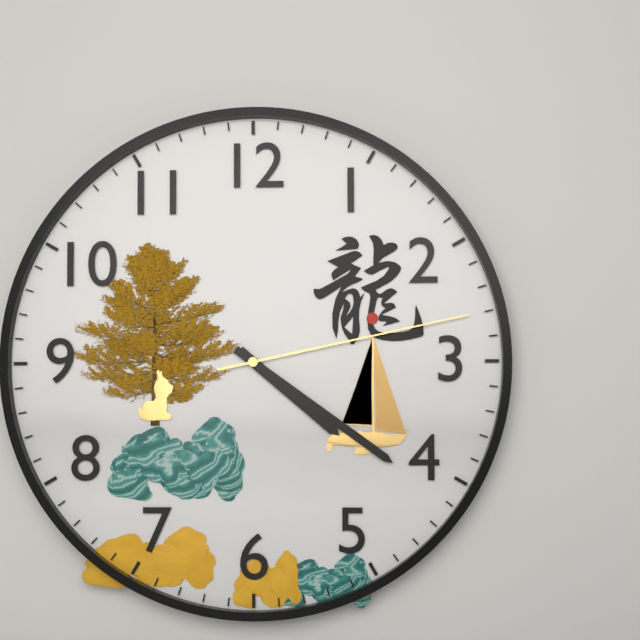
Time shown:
{"hour": 4, "minute": 21, "second": 13}
